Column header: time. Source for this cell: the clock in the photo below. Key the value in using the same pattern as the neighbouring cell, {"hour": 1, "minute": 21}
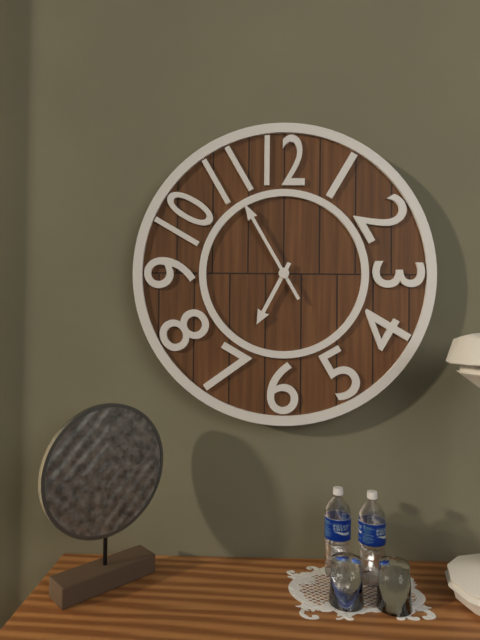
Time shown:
{"hour": 6, "minute": 55}
